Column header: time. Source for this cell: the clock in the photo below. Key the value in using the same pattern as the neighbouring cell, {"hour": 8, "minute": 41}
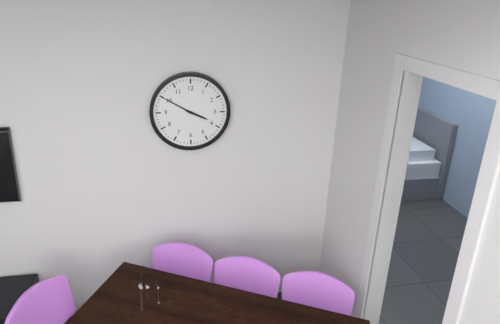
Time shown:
{"hour": 3, "minute": 50}
